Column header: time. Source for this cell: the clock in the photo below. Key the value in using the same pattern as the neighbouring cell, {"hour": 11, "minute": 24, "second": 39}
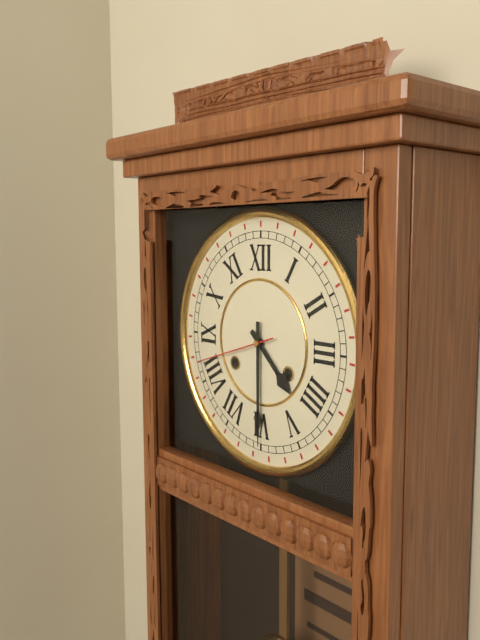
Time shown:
{"hour": 4, "minute": 30, "second": 42}
